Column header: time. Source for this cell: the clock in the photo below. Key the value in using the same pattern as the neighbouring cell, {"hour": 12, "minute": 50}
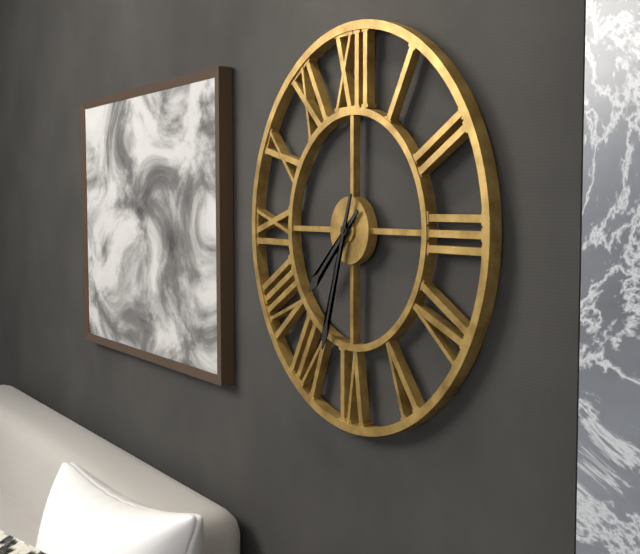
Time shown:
{"hour": 7, "minute": 33}
